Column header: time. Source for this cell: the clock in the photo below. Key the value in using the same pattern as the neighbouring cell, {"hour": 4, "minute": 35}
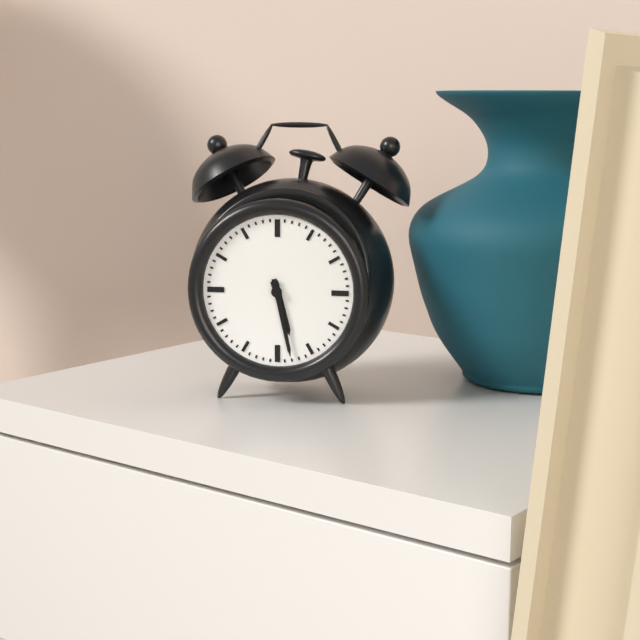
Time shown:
{"hour": 5, "minute": 28}
